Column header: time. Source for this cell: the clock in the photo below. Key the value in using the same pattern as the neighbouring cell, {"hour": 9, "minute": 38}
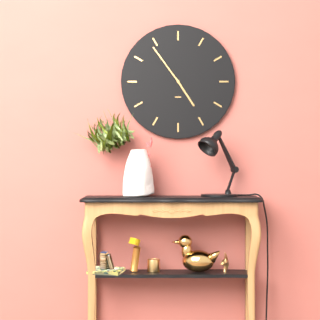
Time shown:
{"hour": 4, "minute": 54}
